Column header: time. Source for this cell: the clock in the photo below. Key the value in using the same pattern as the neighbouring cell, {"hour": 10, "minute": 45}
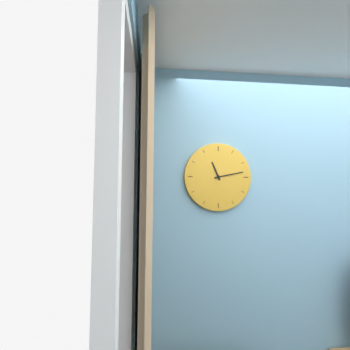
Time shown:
{"hour": 11, "minute": 13}
